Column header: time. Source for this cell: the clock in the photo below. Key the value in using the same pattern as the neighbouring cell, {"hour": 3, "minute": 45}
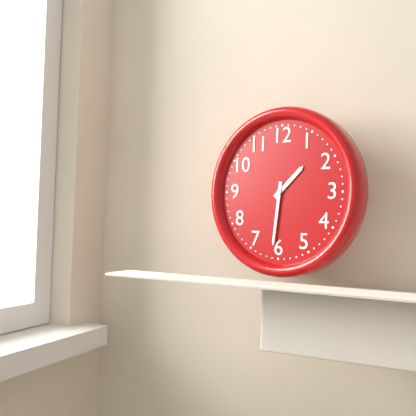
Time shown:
{"hour": 1, "minute": 31}
